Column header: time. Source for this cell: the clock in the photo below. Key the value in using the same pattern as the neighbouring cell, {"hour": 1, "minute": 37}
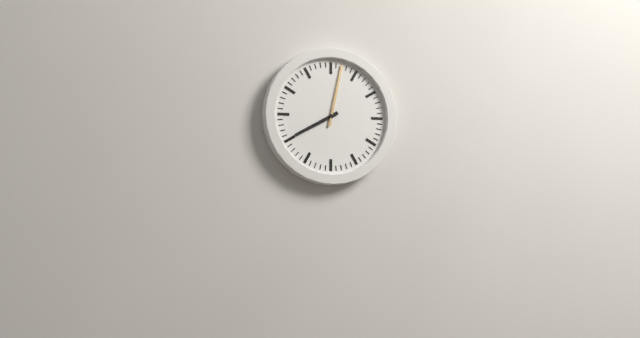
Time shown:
{"hour": 8, "minute": 2}
